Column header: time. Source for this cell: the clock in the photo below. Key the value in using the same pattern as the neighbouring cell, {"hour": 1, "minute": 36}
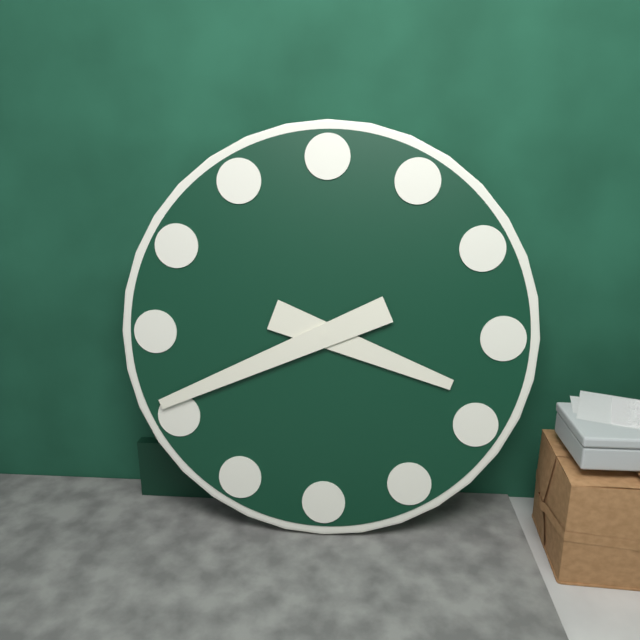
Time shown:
{"hour": 3, "minute": 41}
